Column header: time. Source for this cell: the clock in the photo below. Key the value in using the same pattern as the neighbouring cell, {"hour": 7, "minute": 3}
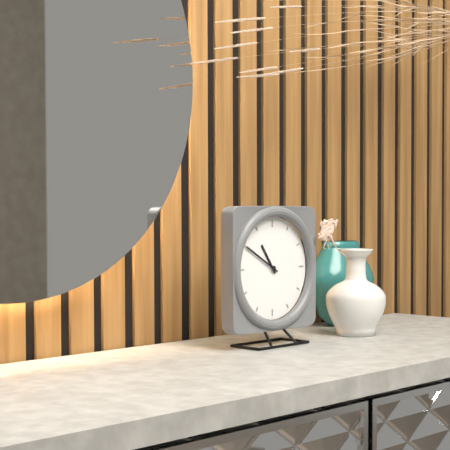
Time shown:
{"hour": 10, "minute": 50}
